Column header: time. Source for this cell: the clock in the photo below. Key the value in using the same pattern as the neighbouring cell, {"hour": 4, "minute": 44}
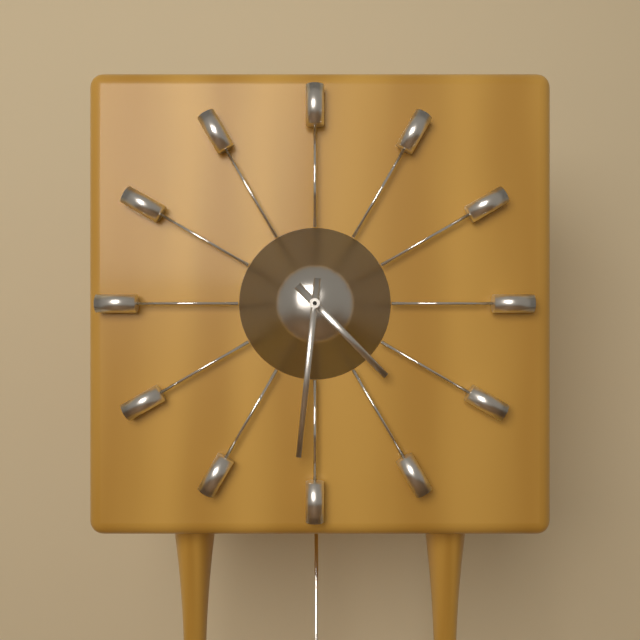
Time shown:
{"hour": 4, "minute": 31}
